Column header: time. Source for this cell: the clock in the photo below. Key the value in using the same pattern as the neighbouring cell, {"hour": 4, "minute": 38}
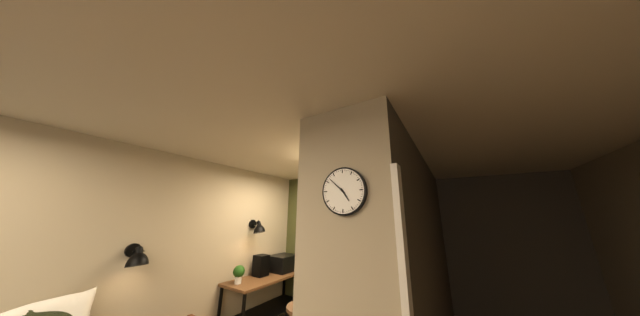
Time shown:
{"hour": 4, "minute": 52}
